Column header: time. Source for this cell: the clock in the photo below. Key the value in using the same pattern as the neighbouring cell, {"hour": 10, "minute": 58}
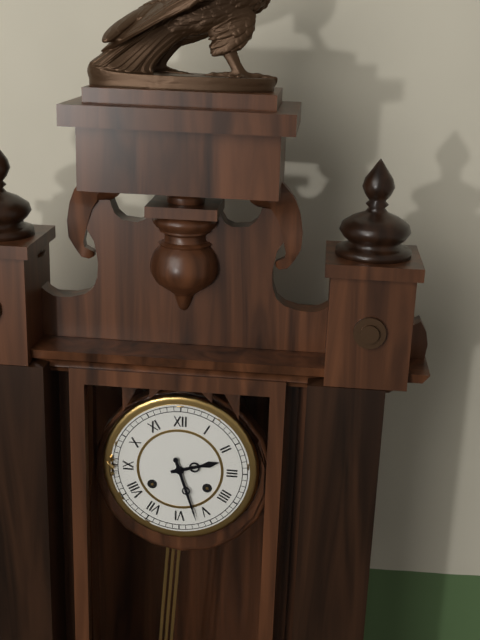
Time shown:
{"hour": 2, "minute": 27}
